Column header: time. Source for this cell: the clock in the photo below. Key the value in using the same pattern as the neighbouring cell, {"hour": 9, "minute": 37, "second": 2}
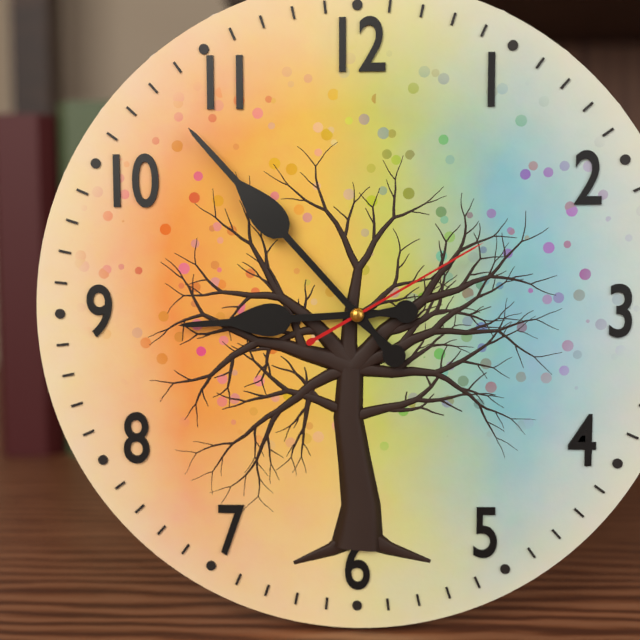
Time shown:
{"hour": 8, "minute": 53, "second": 10}
